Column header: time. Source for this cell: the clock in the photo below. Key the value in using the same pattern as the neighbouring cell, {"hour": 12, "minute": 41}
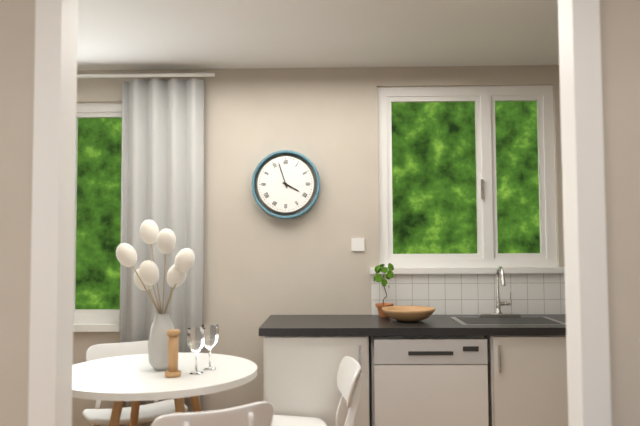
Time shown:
{"hour": 3, "minute": 57}
